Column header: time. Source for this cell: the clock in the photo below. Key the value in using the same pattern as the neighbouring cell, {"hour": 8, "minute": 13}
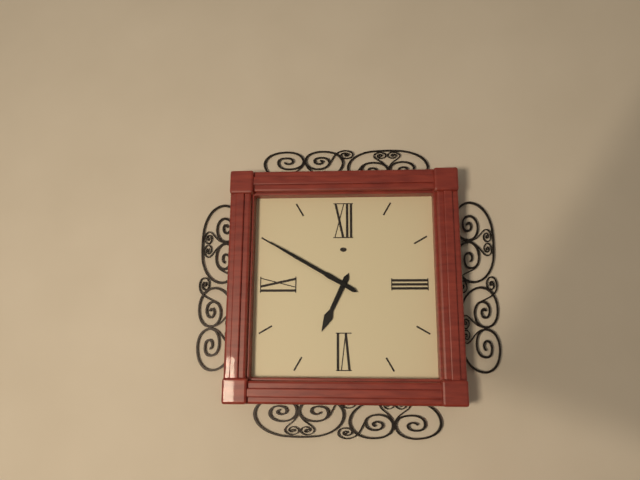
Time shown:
{"hour": 6, "minute": 50}
